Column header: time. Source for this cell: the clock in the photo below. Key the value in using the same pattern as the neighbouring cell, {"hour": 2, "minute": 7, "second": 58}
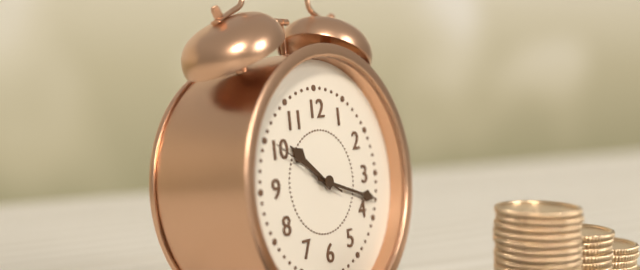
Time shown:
{"hour": 10, "minute": 18, "second": 50}
